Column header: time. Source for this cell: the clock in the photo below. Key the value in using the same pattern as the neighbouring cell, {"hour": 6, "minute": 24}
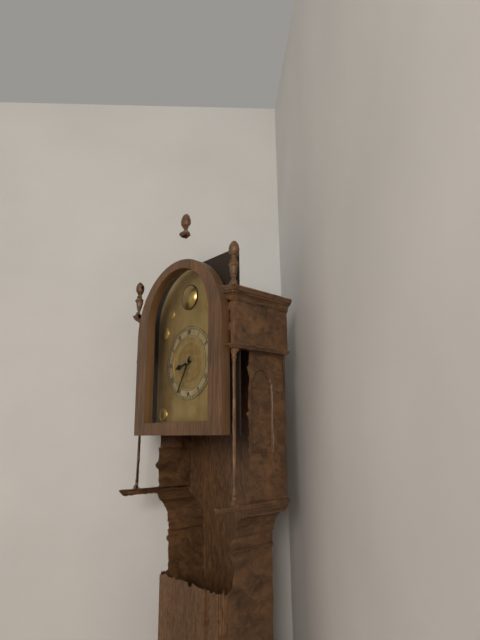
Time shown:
{"hour": 8, "minute": 35}
